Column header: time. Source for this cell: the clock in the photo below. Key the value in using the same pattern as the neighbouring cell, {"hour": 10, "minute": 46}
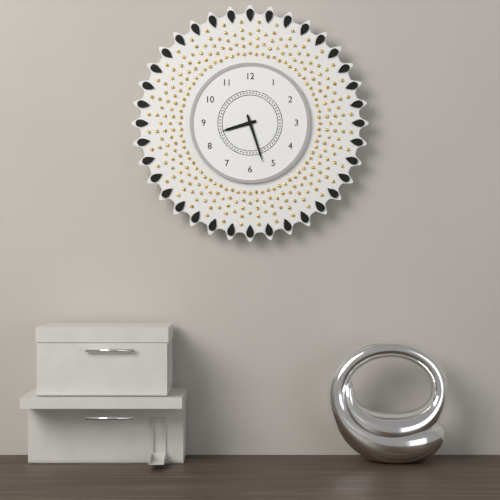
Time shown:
{"hour": 8, "minute": 27}
